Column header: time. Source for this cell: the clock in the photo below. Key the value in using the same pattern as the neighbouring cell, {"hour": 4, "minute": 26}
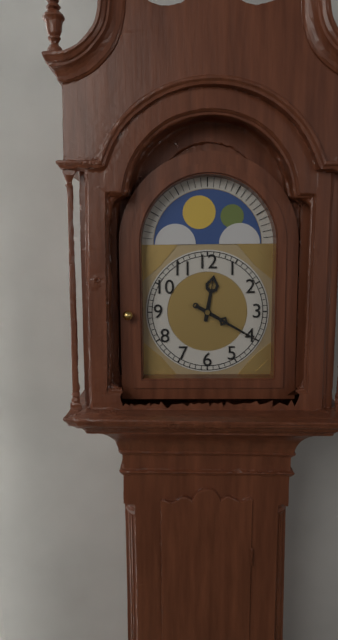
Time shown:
{"hour": 12, "minute": 20}
